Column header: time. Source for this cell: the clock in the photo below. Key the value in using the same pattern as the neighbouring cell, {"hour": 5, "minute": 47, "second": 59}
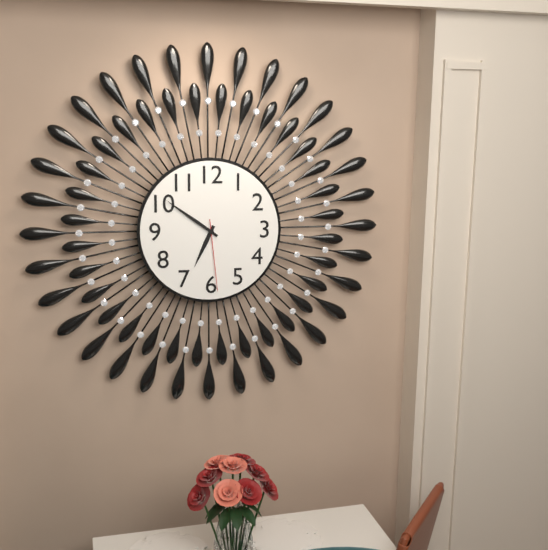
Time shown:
{"hour": 6, "minute": 51, "second": 29}
